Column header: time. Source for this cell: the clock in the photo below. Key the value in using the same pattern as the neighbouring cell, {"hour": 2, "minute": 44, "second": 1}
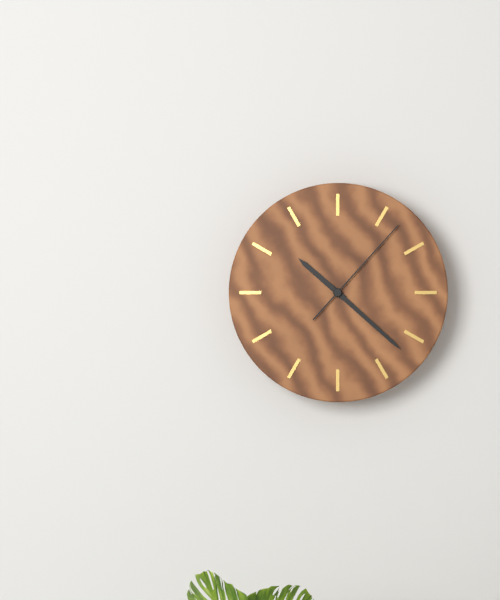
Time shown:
{"hour": 10, "minute": 22, "second": 7}
